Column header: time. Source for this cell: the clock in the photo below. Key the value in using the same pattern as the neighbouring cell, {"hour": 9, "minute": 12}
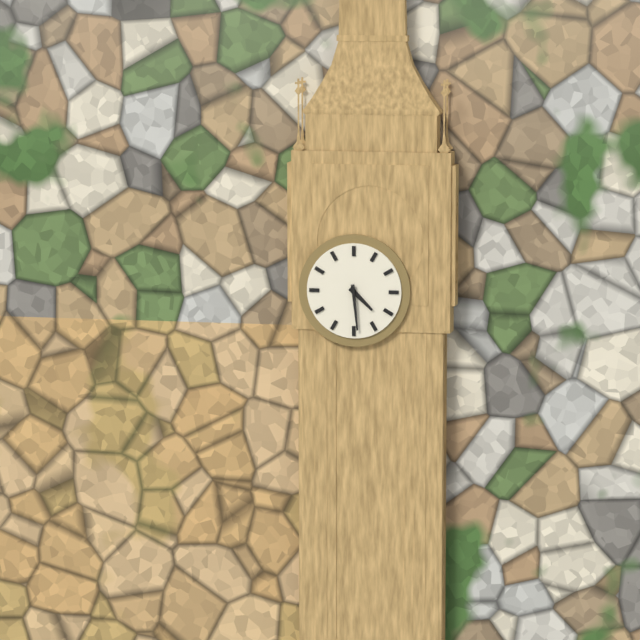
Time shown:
{"hour": 4, "minute": 29}
